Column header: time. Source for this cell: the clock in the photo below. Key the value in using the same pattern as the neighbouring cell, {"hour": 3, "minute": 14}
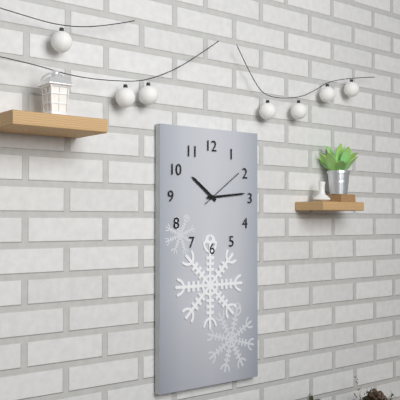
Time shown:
{"hour": 10, "minute": 14}
